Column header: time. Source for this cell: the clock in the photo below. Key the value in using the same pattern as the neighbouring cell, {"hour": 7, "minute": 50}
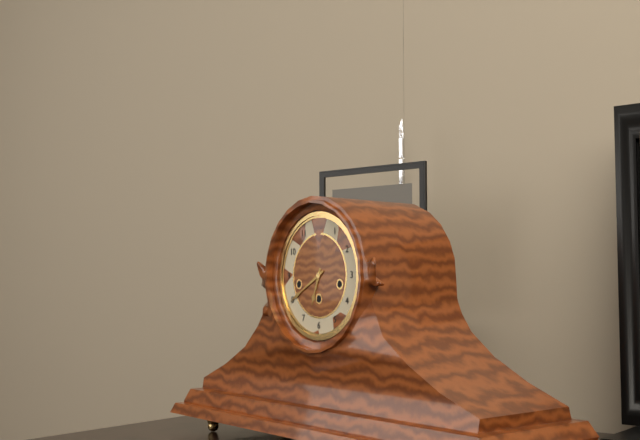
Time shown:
{"hour": 6, "minute": 40}
